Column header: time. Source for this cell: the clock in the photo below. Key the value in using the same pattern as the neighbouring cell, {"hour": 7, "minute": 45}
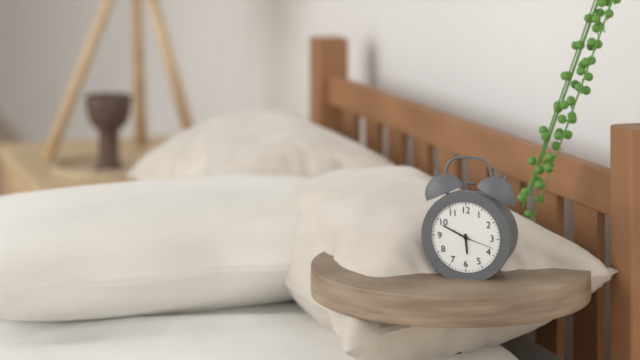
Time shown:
{"hour": 5, "minute": 49}
